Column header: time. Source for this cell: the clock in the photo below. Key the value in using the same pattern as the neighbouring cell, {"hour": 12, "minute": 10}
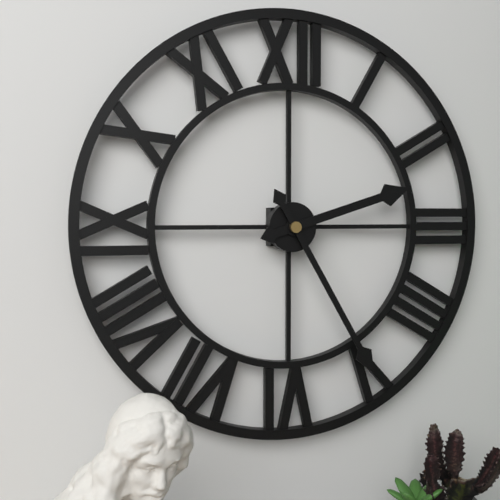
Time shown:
{"hour": 2, "minute": 25}
